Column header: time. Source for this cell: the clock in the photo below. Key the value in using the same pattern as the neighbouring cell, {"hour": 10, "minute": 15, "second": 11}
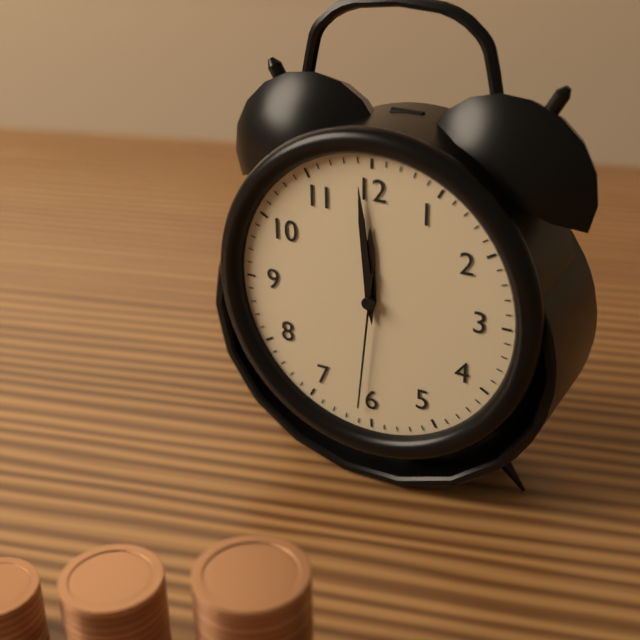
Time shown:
{"hour": 11, "minute": 59, "second": 31}
